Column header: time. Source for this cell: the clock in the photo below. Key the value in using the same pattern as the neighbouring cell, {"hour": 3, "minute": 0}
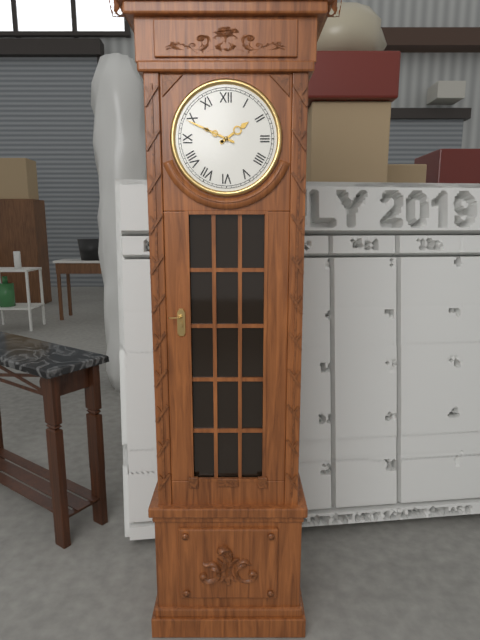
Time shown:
{"hour": 1, "minute": 49}
